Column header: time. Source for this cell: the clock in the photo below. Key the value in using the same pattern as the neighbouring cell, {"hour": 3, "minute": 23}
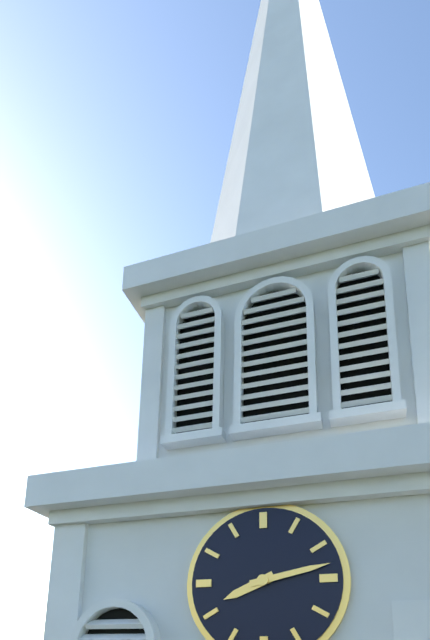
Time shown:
{"hour": 8, "minute": 13}
